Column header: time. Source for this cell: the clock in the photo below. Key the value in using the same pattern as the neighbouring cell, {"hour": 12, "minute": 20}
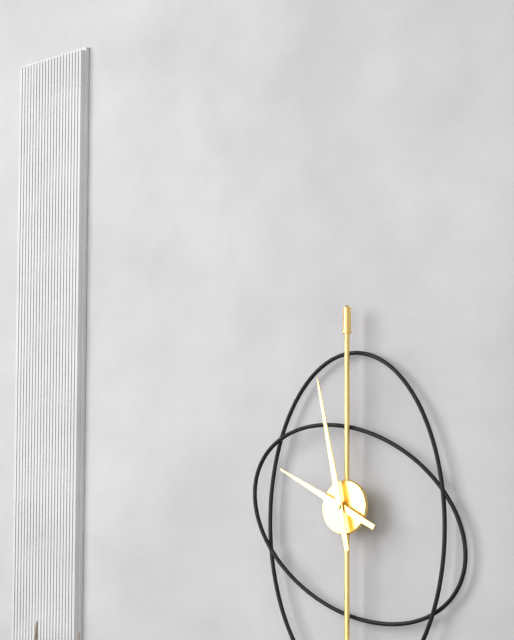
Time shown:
{"hour": 9, "minute": 58}
